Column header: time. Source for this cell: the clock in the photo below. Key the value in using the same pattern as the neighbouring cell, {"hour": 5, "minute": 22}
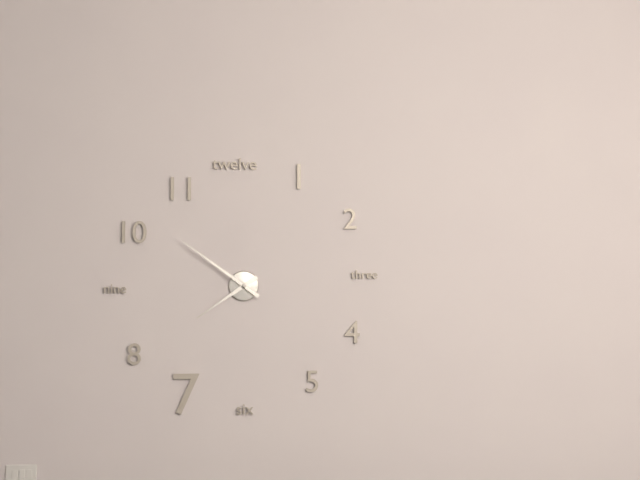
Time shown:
{"hour": 7, "minute": 51}
